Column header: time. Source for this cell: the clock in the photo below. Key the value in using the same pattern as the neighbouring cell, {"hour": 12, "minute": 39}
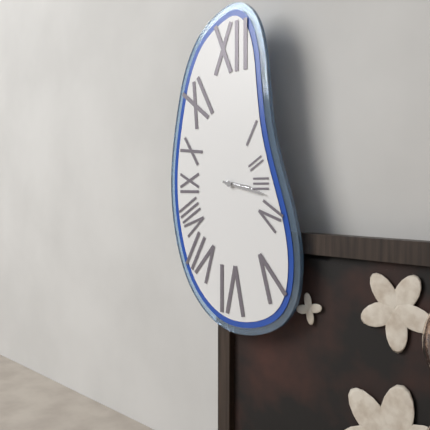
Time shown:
{"hour": 3, "minute": 17}
